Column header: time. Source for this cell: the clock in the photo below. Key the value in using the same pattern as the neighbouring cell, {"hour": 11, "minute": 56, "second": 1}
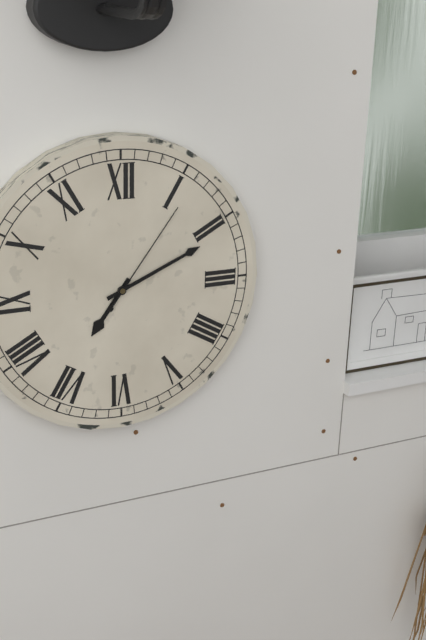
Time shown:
{"hour": 7, "minute": 11, "second": 6}
